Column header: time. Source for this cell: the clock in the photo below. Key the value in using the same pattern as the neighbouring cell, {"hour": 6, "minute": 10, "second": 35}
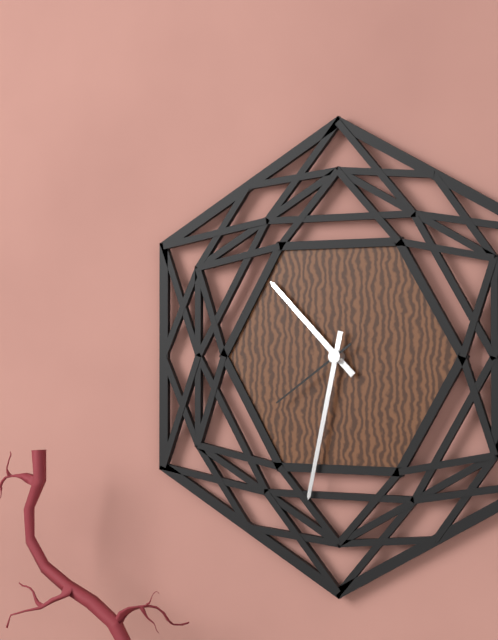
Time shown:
{"hour": 10, "minute": 32, "second": 39}
